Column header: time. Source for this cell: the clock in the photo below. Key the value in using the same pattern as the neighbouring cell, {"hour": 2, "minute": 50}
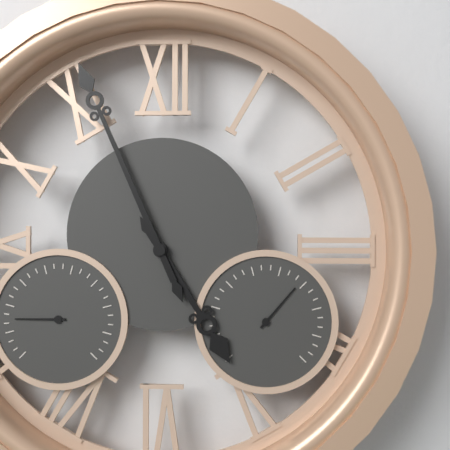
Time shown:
{"hour": 4, "minute": 56}
